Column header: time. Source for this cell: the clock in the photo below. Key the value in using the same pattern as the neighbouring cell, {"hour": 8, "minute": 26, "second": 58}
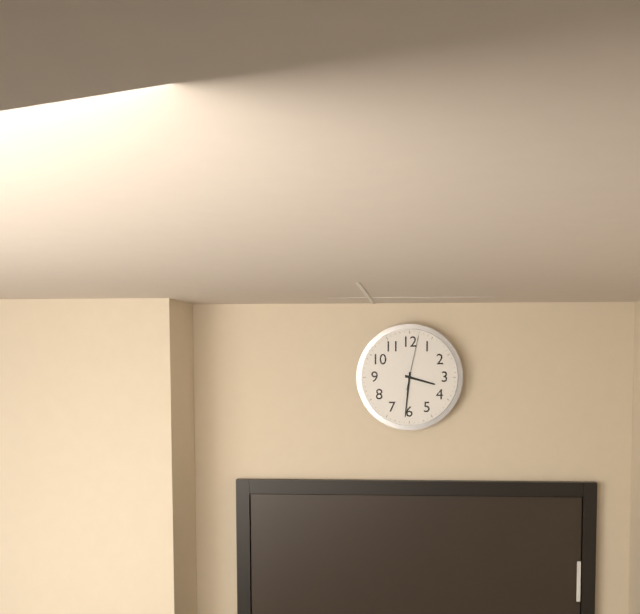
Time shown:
{"hour": 3, "minute": 31, "second": 2}
